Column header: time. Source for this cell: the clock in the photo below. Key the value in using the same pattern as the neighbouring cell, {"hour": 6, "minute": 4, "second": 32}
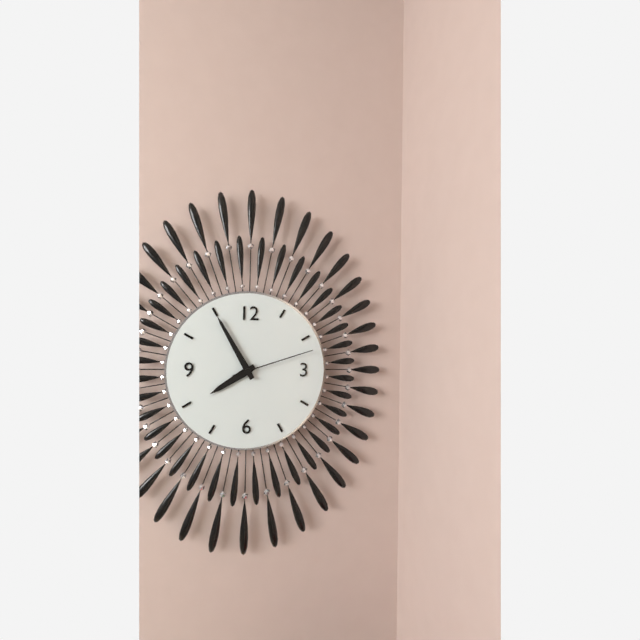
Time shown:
{"hour": 7, "minute": 55, "second": 12}
